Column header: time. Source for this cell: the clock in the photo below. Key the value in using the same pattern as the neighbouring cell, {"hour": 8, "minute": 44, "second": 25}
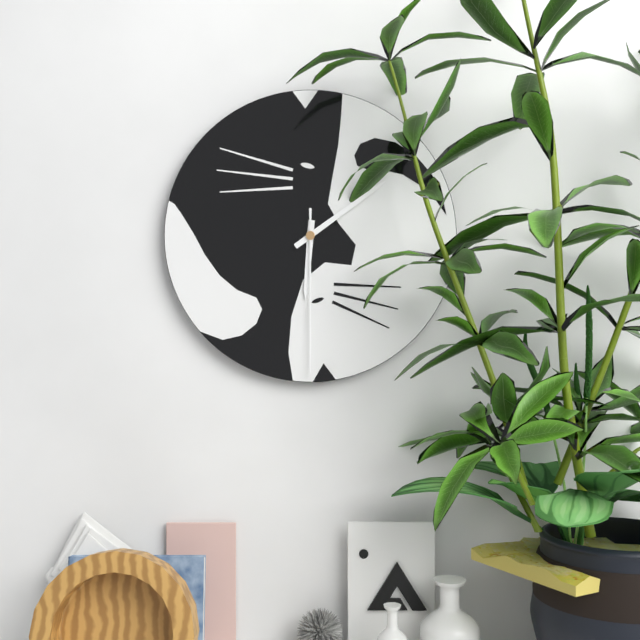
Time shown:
{"hour": 6, "minute": 9, "second": 30}
